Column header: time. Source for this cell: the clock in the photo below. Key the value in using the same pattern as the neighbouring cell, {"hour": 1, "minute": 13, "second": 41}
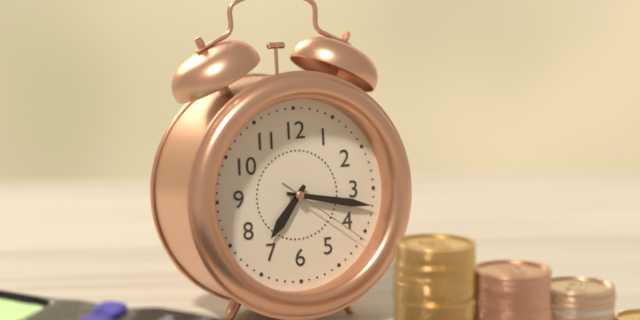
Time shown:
{"hour": 7, "minute": 17, "second": 21}
